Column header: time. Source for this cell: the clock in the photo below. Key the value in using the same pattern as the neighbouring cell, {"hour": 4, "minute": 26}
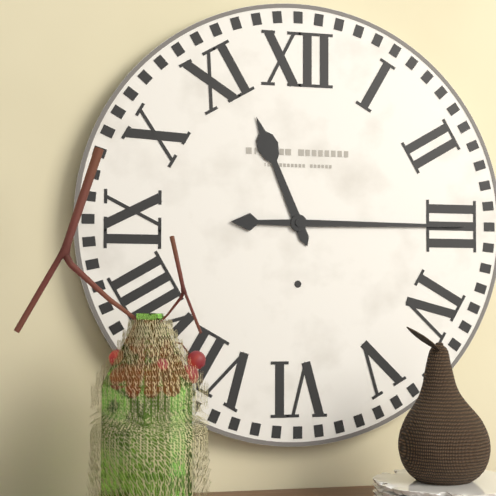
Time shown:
{"hour": 11, "minute": 15}
